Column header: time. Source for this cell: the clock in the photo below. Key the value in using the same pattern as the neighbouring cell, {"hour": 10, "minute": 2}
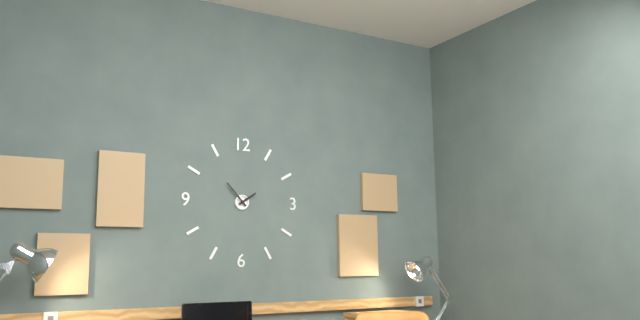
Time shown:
{"hour": 1, "minute": 53}
